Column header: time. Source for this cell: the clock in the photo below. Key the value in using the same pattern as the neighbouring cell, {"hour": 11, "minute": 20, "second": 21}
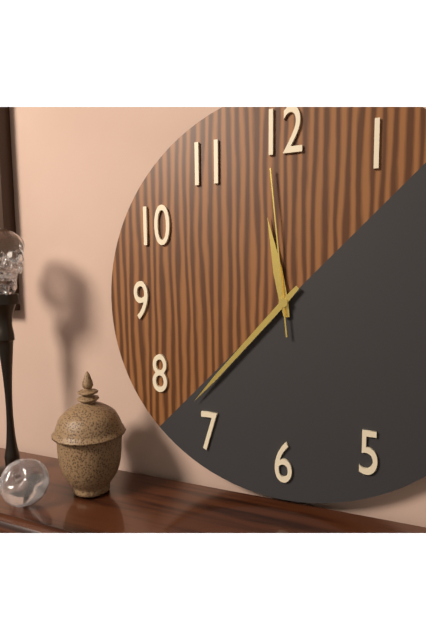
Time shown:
{"hour": 11, "minute": 37, "second": 59}
